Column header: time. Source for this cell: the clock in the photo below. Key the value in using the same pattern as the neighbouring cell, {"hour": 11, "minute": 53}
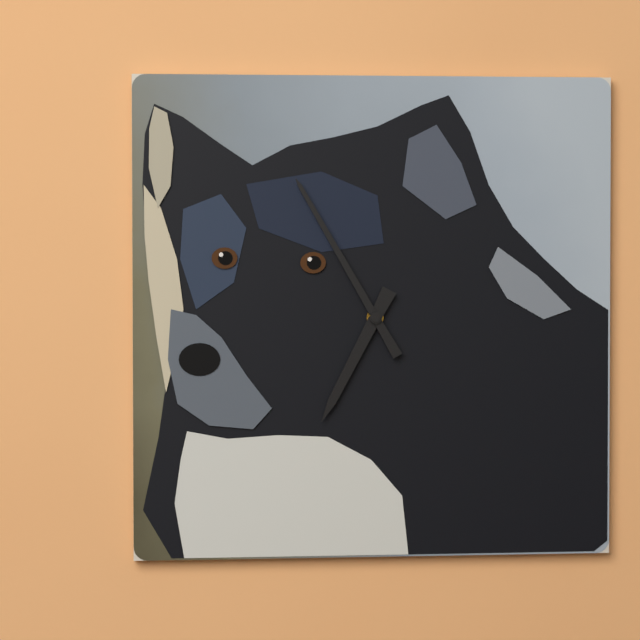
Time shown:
{"hour": 6, "minute": 55}
